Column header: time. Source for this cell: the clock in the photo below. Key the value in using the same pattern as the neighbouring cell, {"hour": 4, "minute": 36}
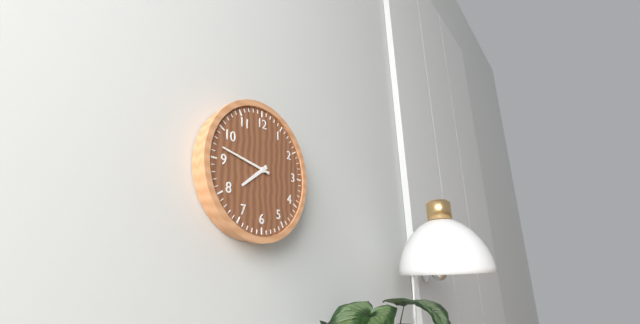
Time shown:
{"hour": 7, "minute": 47}
